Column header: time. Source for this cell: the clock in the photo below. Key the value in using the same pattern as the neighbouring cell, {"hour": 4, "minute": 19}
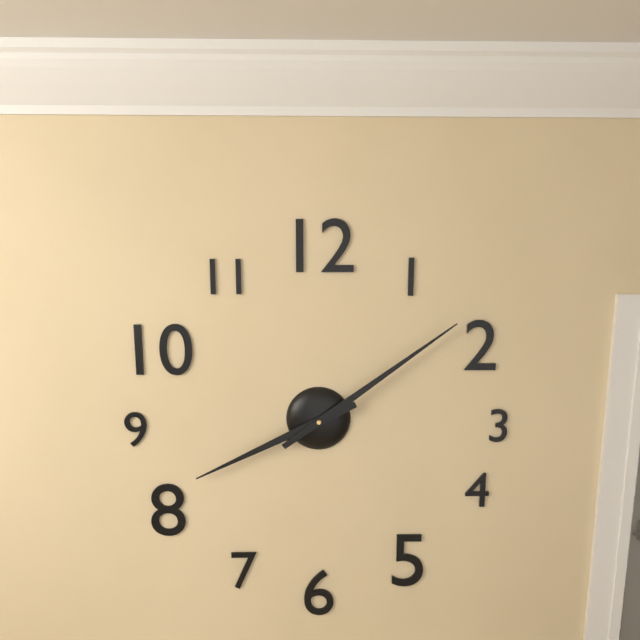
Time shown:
{"hour": 8, "minute": 9}
